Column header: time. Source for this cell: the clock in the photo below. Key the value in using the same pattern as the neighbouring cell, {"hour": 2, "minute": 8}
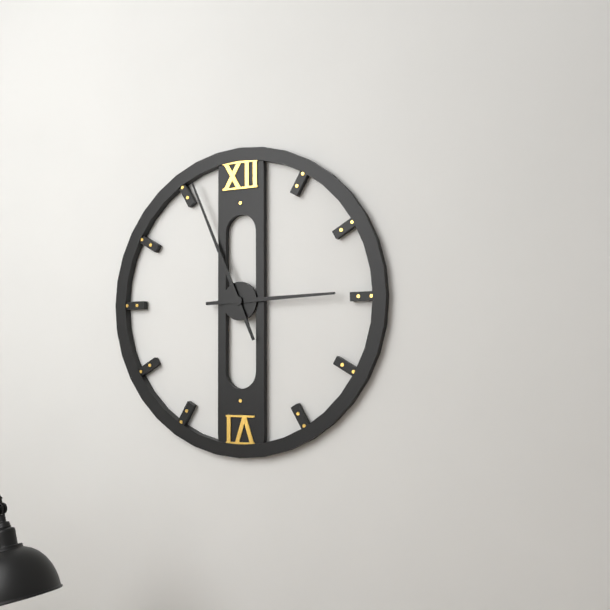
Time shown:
{"hour": 2, "minute": 56}
